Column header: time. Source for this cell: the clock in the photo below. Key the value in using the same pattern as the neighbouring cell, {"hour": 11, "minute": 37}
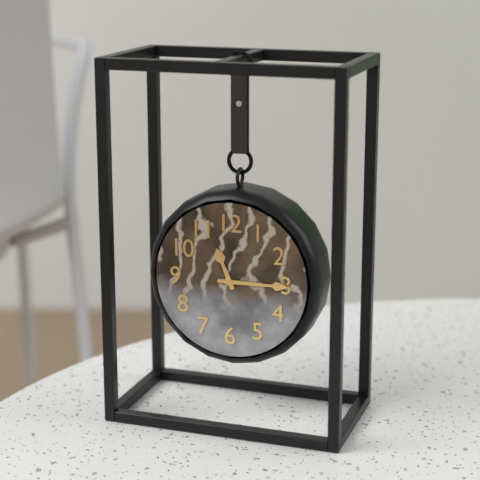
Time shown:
{"hour": 11, "minute": 15}
